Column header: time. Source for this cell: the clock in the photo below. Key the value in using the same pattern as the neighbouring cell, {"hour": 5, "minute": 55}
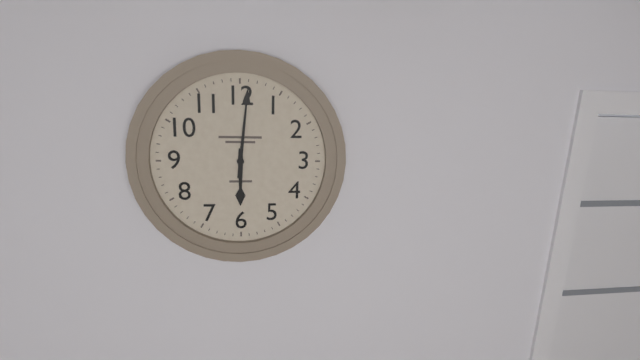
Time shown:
{"hour": 6, "minute": 1}
